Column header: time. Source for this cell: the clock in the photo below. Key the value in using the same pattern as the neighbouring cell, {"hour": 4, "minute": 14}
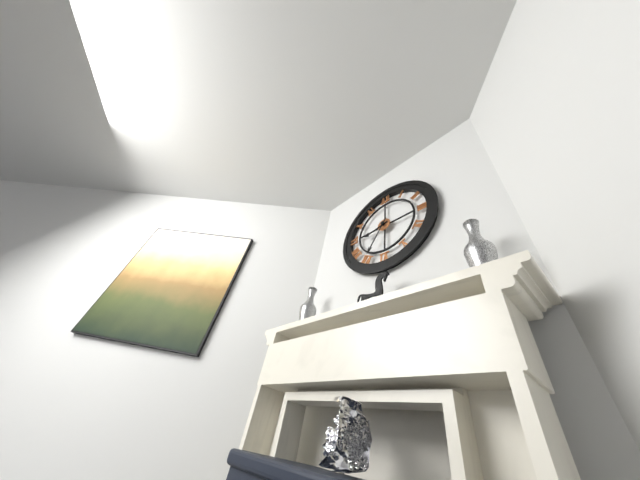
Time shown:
{"hour": 8, "minute": 35}
